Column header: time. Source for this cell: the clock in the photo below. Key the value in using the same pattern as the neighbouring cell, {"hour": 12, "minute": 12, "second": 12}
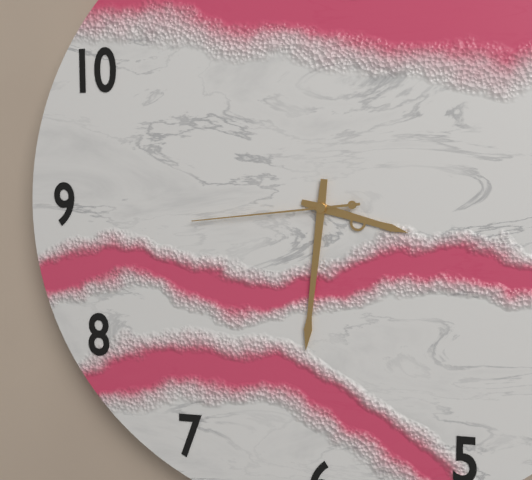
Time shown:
{"hour": 3, "minute": 31, "second": 44}
